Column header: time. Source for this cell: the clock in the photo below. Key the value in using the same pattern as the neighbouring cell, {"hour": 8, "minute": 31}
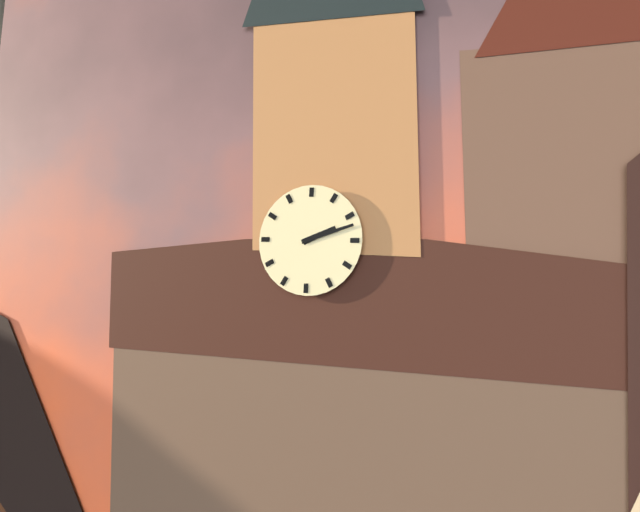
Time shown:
{"hour": 2, "minute": 12}
